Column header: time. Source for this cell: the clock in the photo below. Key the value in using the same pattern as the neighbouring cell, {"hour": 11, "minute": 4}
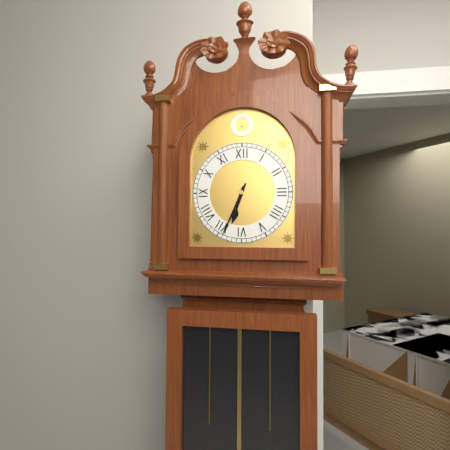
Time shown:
{"hour": 6, "minute": 34}
